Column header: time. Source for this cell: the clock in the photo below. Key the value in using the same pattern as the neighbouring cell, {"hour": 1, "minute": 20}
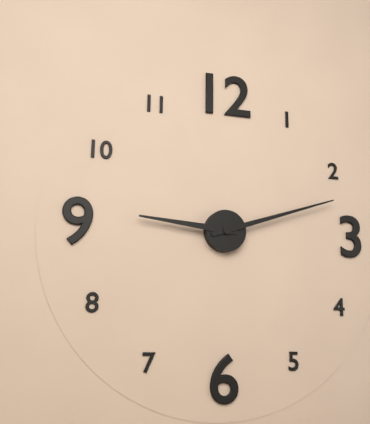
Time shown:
{"hour": 9, "minute": 12}
